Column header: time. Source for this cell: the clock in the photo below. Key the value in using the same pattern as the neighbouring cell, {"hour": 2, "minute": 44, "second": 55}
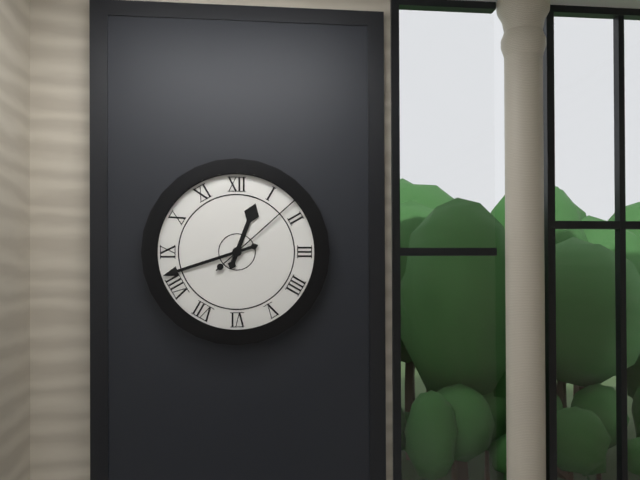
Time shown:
{"hour": 12, "minute": 42, "second": 8}
